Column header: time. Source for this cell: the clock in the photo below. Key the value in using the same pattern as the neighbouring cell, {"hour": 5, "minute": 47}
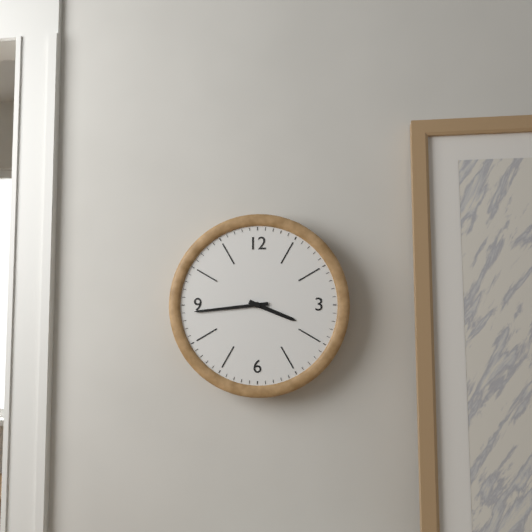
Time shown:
{"hour": 3, "minute": 44}
